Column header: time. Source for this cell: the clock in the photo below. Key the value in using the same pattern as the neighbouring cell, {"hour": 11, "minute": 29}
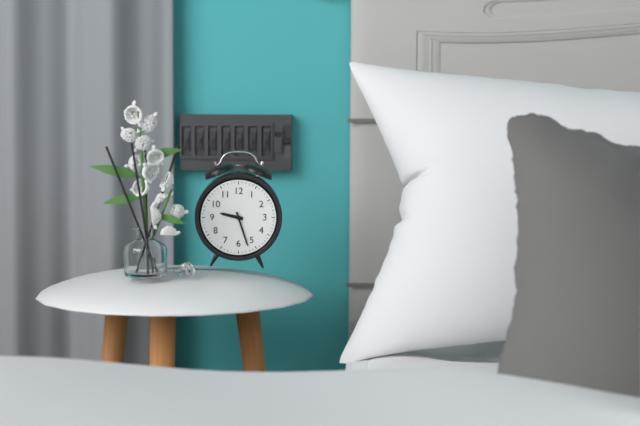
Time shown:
{"hour": 9, "minute": 27}
